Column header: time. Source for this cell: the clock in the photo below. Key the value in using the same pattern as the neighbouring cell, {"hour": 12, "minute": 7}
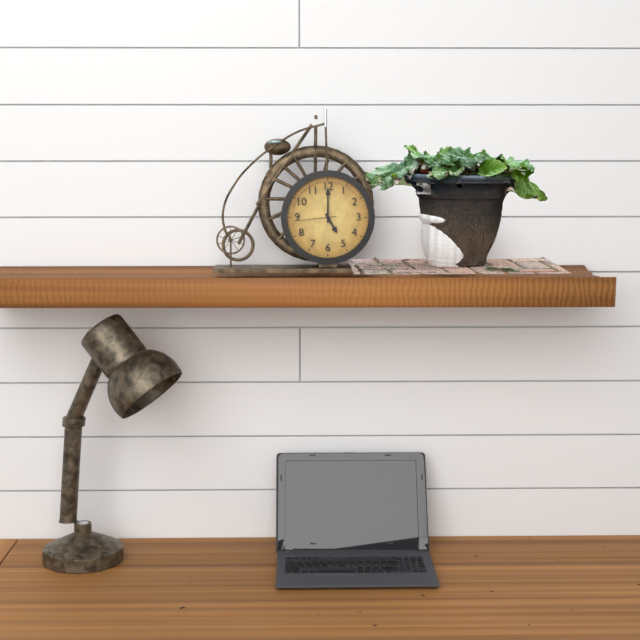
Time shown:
{"hour": 5, "minute": 0}
